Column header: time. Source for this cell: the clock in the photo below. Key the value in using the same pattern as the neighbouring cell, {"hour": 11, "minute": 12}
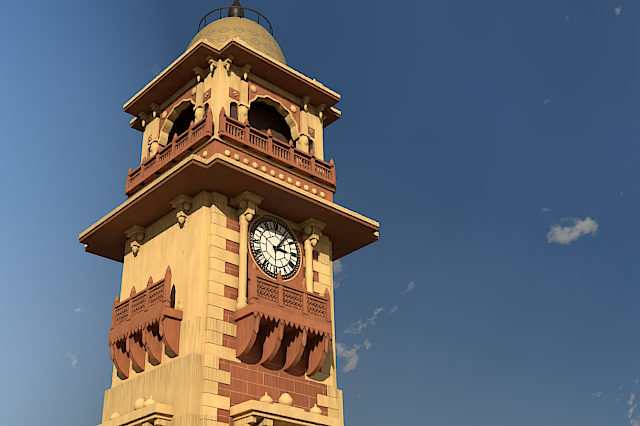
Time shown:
{"hour": 3, "minute": 6}
